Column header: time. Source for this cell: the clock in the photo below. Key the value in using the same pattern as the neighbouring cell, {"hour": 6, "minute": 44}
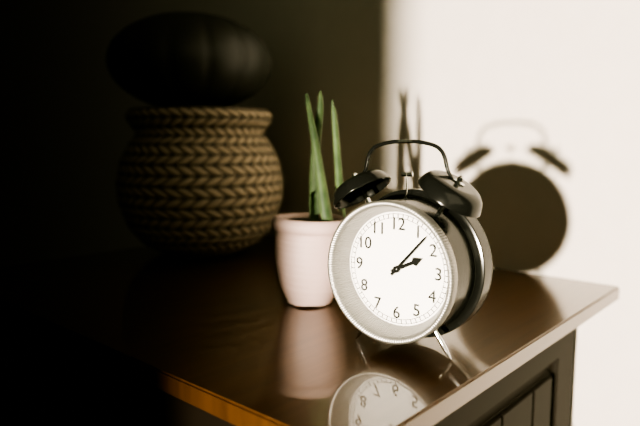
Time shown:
{"hour": 2, "minute": 7}
